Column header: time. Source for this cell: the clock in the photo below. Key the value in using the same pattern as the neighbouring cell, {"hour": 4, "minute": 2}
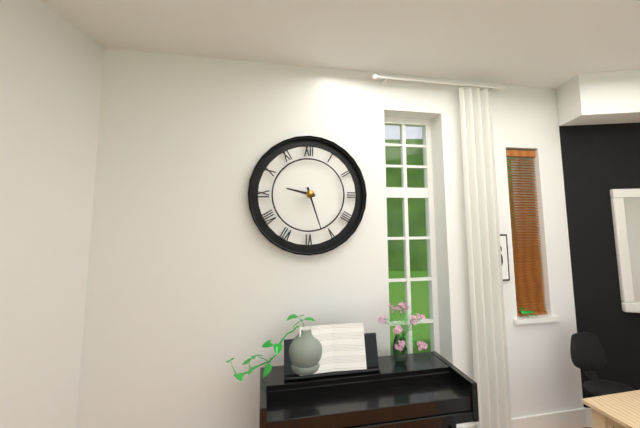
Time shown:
{"hour": 9, "minute": 27}
